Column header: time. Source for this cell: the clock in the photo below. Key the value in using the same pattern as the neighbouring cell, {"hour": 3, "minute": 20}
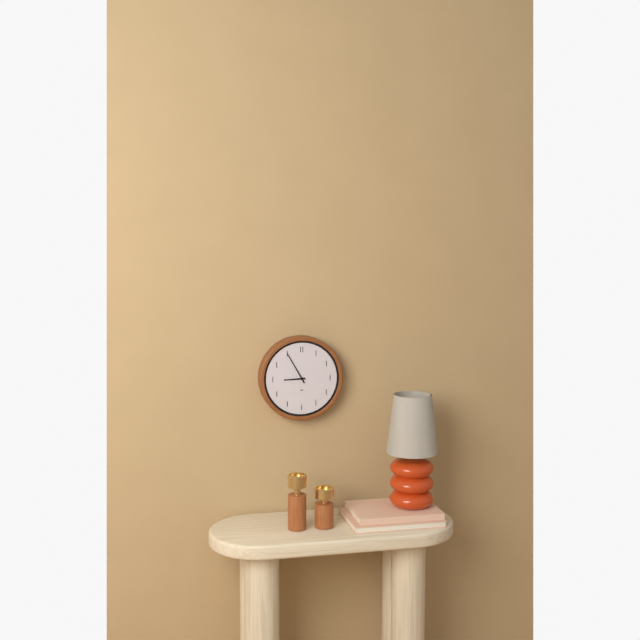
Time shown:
{"hour": 8, "minute": 55}
